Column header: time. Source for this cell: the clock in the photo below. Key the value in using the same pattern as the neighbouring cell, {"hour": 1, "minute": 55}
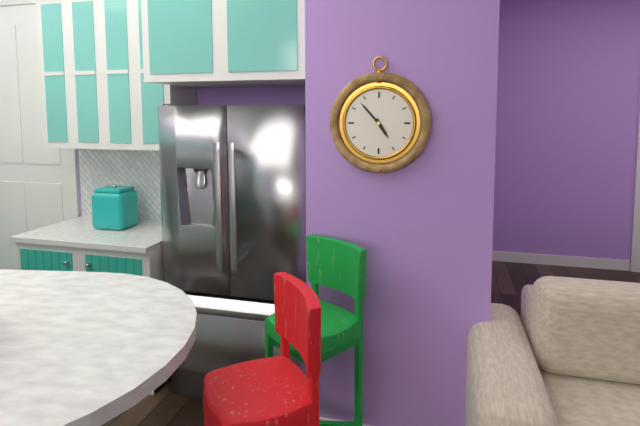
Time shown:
{"hour": 4, "minute": 53}
